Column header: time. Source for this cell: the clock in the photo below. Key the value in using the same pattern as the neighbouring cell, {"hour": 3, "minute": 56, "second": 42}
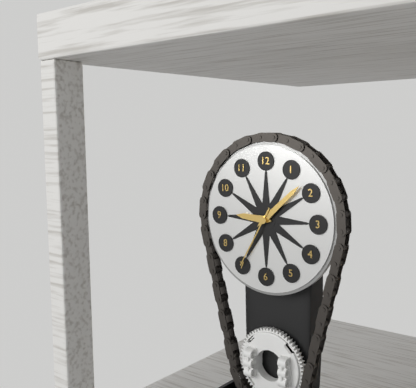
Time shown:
{"hour": 9, "minute": 8, "second": 35}
